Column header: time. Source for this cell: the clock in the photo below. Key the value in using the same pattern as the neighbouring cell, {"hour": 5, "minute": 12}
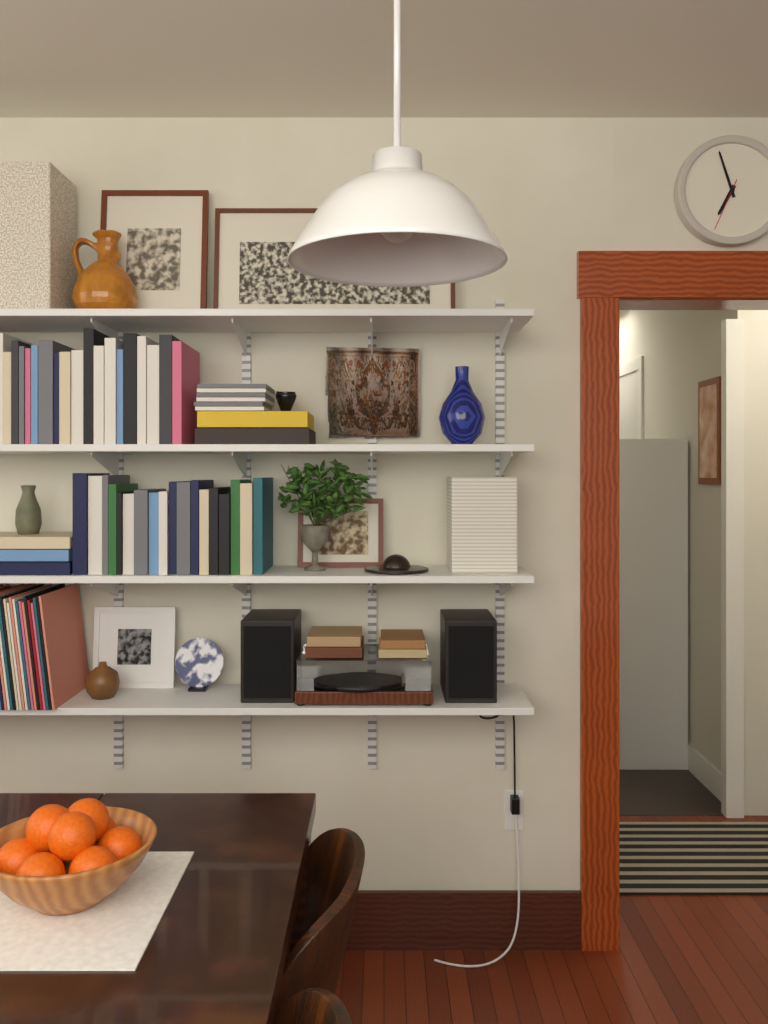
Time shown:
{"hour": 6, "minute": 57}
